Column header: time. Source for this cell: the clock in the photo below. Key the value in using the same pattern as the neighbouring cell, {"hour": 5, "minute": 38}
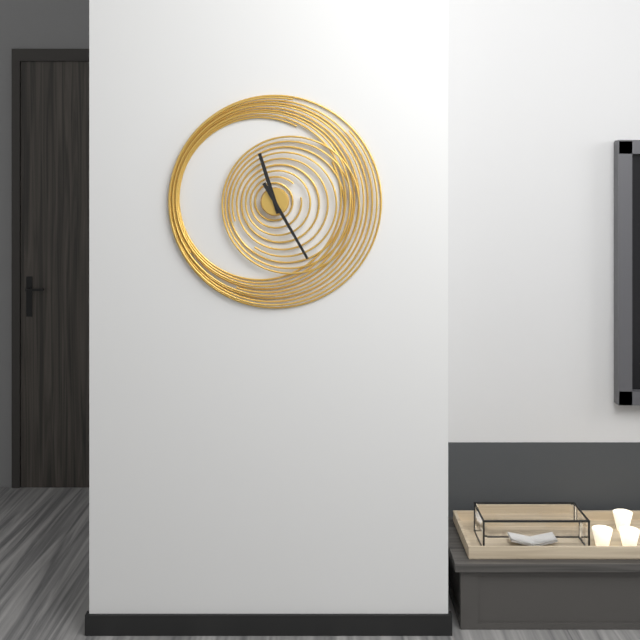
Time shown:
{"hour": 11, "minute": 25}
